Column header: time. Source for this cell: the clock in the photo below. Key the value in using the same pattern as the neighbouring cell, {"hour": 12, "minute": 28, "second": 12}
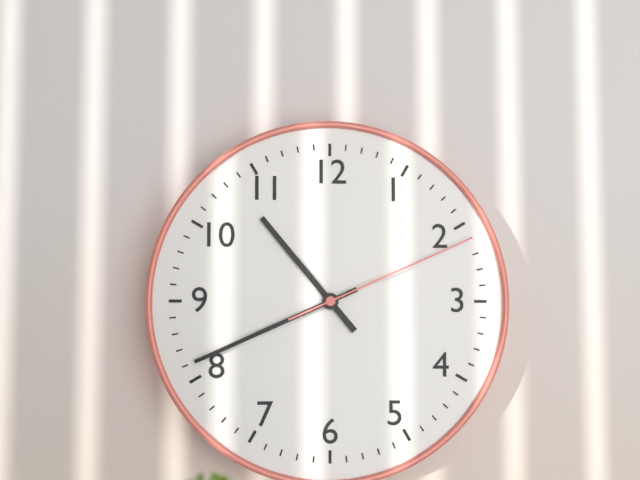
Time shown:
{"hour": 10, "minute": 41, "second": 11}
